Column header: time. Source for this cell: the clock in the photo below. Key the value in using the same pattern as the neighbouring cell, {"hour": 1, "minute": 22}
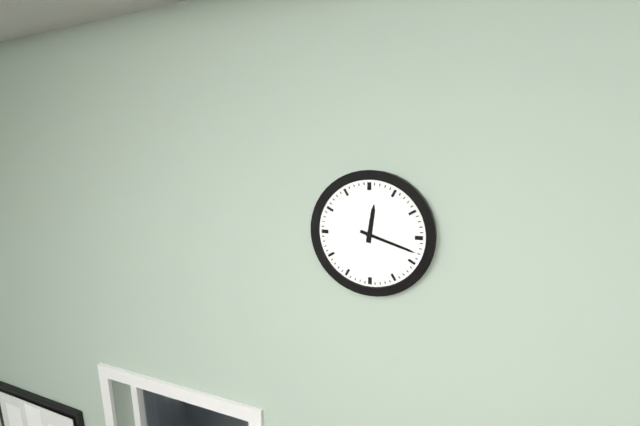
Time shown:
{"hour": 12, "minute": 18}
